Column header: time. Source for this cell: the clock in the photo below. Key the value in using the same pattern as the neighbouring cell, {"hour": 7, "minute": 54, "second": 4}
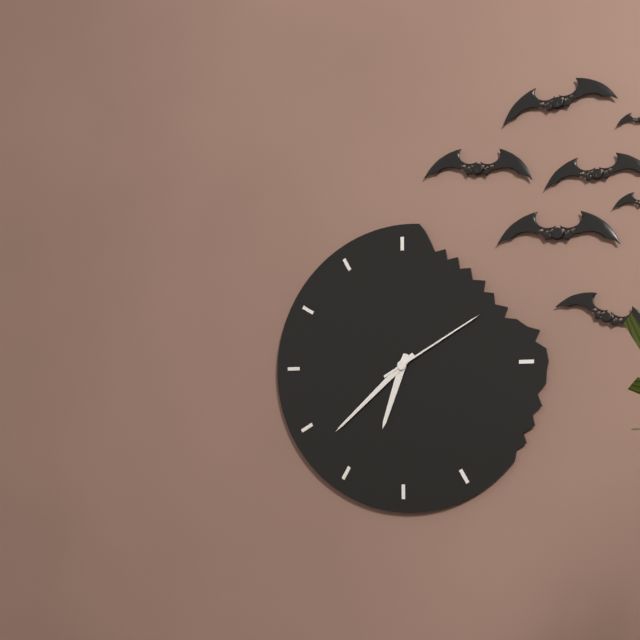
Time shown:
{"hour": 6, "minute": 38, "second": 10}
